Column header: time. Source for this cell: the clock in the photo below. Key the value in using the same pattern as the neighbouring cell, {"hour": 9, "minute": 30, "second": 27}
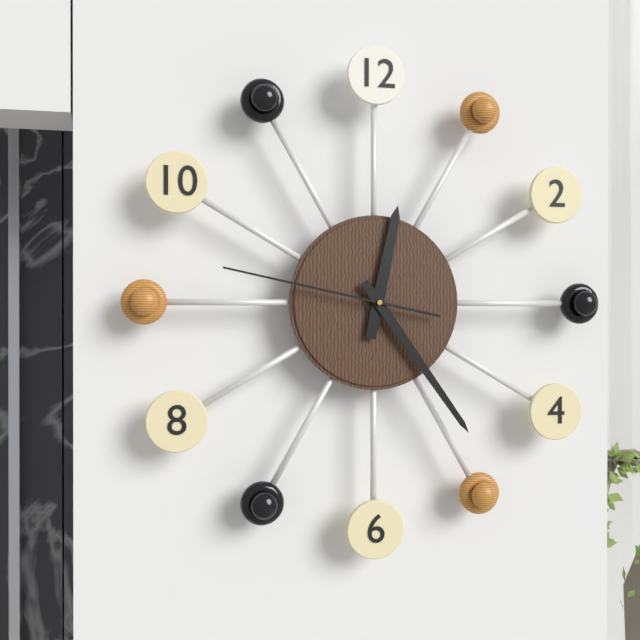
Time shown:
{"hour": 12, "minute": 24, "second": 47}
